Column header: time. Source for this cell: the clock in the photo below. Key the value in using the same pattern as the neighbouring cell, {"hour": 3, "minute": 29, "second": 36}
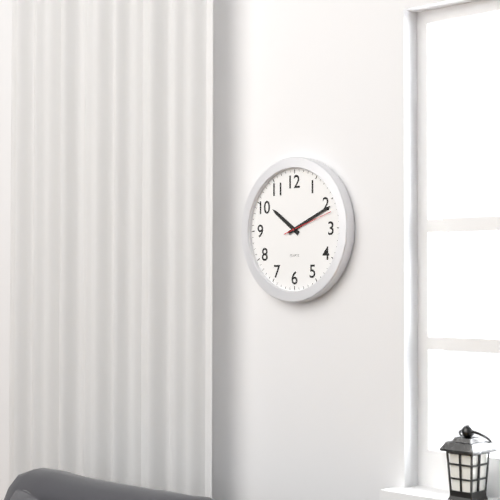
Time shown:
{"hour": 10, "minute": 11, "second": 12}
